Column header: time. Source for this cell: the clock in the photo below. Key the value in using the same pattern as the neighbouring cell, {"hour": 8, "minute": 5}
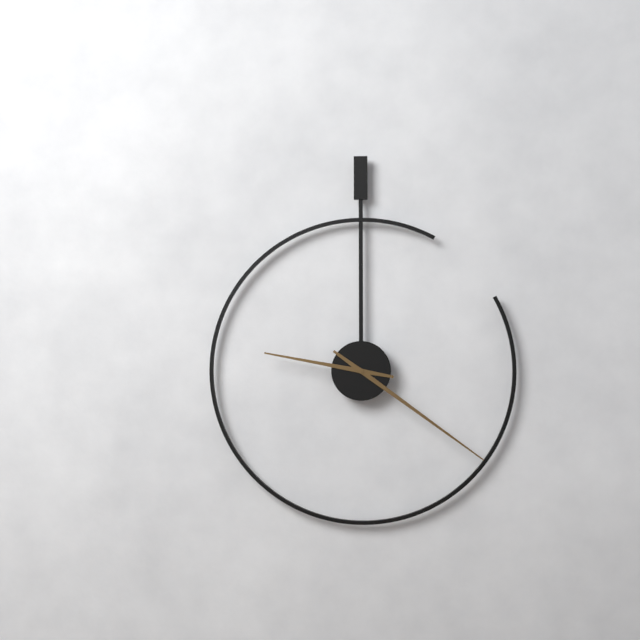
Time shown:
{"hour": 9, "minute": 21}
